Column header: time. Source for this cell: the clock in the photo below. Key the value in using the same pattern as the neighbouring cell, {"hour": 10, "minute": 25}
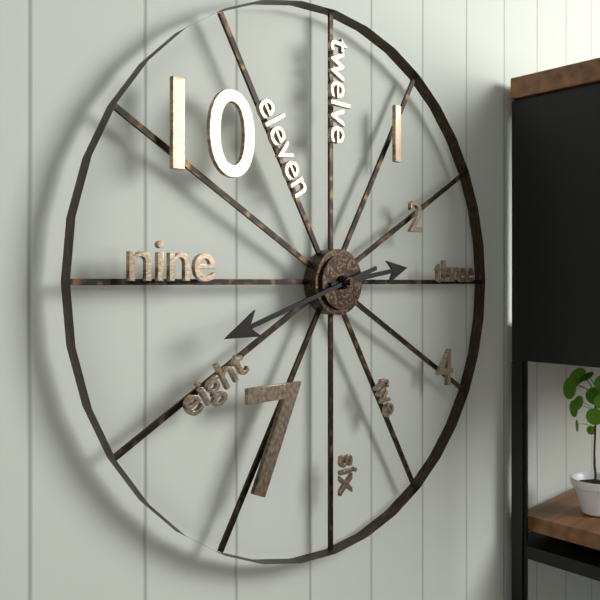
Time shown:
{"hour": 2, "minute": 42}
